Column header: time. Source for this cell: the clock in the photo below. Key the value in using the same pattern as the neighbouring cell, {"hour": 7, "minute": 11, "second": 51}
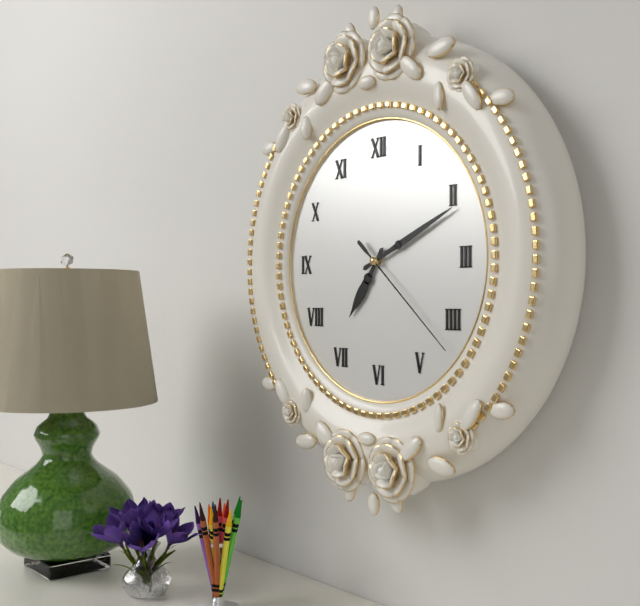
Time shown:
{"hour": 7, "minute": 11, "second": 22}
